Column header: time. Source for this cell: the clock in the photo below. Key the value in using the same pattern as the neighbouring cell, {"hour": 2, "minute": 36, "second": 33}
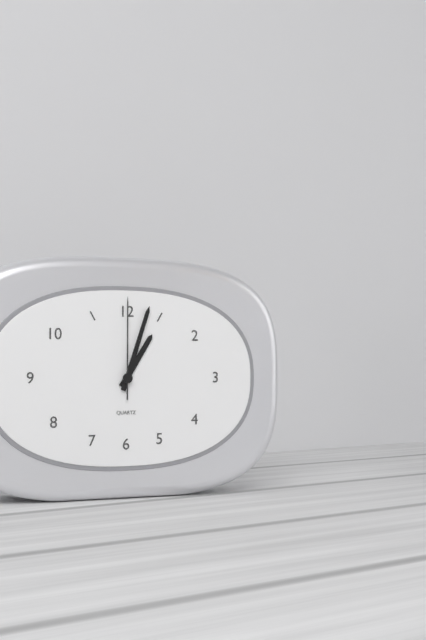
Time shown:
{"hour": 1, "minute": 3, "second": 0}
